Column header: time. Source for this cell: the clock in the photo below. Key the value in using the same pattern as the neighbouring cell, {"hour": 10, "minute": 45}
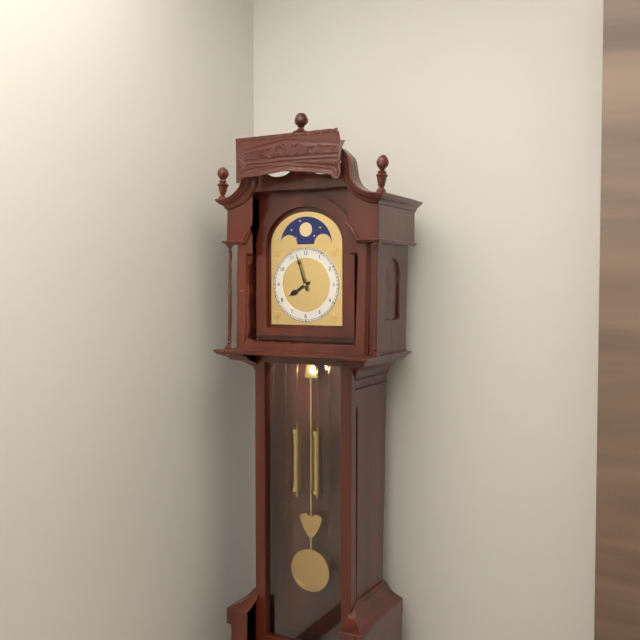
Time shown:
{"hour": 7, "minute": 57}
